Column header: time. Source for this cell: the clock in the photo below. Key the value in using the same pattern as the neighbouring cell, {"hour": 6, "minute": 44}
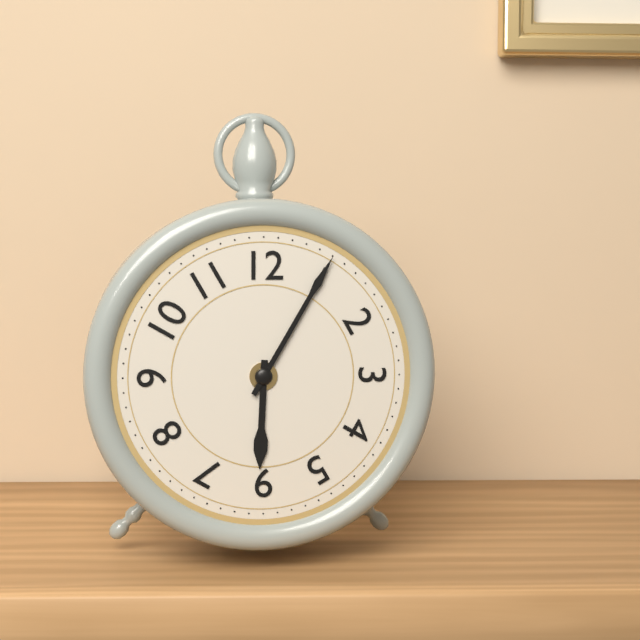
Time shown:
{"hour": 6, "minute": 5}
